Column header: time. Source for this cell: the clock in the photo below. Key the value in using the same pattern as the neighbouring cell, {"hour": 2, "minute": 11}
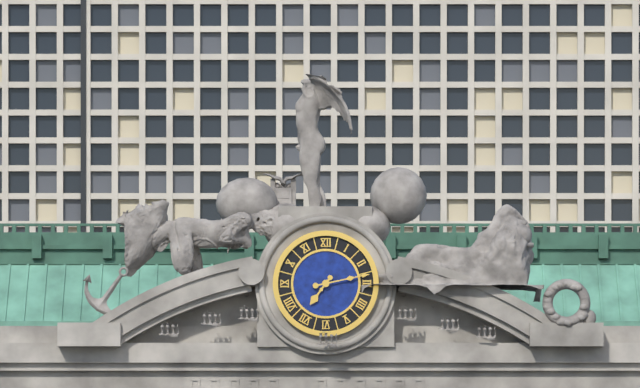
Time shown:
{"hour": 7, "minute": 13}
